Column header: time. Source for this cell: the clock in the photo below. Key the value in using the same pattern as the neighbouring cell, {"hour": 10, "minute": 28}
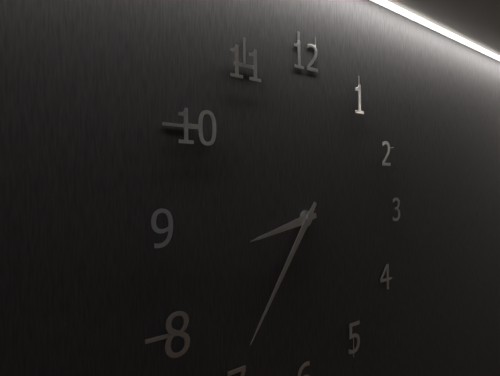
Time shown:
{"hour": 8, "minute": 36}
